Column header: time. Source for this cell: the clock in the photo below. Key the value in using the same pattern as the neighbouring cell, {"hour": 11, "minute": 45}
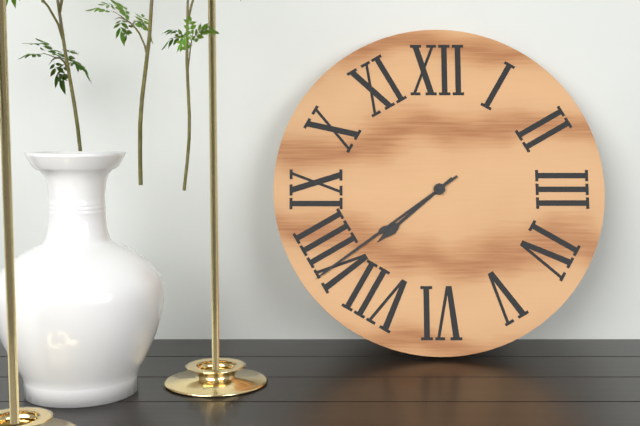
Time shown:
{"hour": 7, "minute": 39}
